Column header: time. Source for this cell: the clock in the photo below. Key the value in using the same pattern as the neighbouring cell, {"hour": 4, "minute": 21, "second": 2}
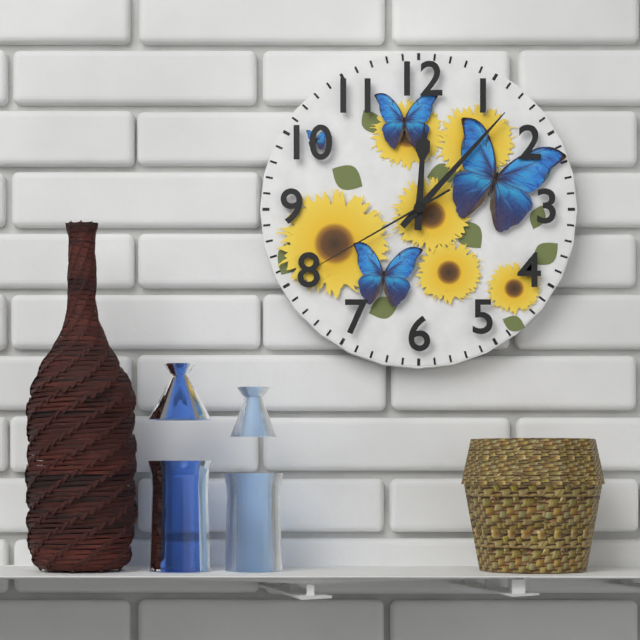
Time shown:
{"hour": 12, "minute": 7, "second": 40}
